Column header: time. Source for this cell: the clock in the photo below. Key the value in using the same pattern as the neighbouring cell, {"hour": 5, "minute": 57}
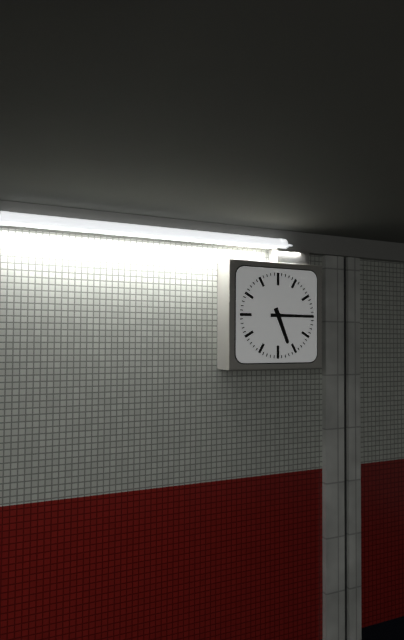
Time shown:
{"hour": 5, "minute": 15}
